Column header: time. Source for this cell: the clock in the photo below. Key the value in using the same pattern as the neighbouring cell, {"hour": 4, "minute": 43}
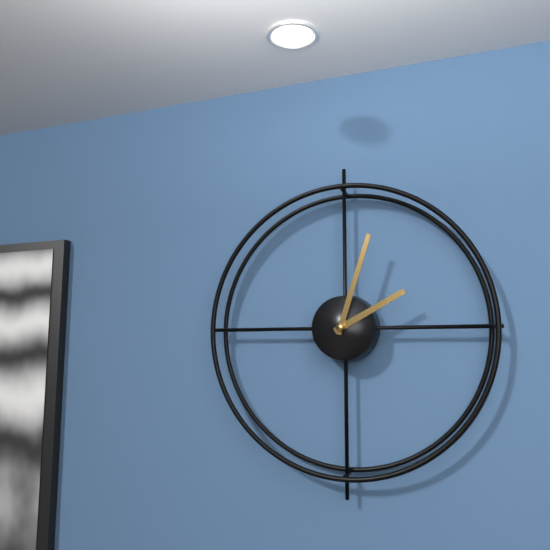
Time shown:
{"hour": 2, "minute": 3}
